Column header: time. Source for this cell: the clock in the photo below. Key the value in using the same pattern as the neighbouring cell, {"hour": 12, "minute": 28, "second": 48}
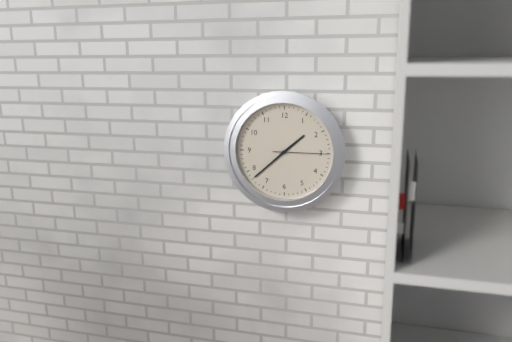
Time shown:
{"hour": 1, "minute": 38, "second": 15}
